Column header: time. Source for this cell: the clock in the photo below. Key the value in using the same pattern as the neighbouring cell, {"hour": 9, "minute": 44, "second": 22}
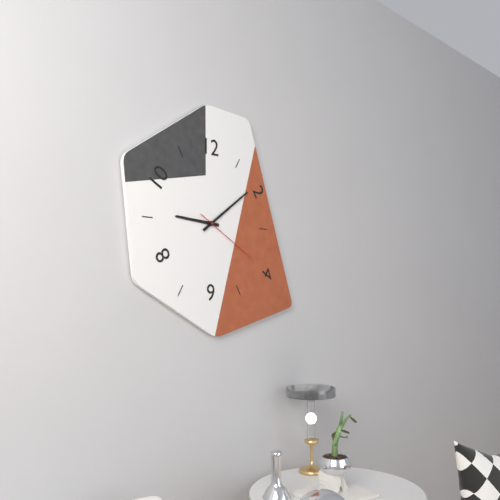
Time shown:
{"hour": 9, "minute": 9, "second": 20}
